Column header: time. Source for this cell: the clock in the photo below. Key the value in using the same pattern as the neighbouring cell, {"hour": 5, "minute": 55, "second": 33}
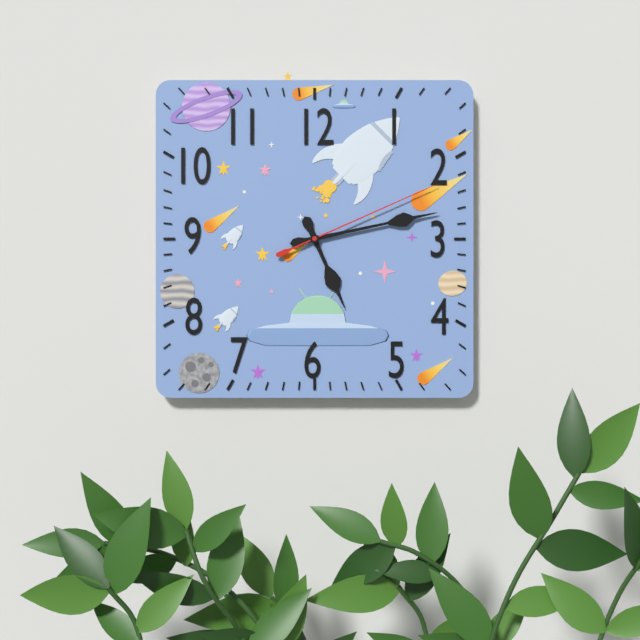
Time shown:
{"hour": 5, "minute": 13, "second": 11}
